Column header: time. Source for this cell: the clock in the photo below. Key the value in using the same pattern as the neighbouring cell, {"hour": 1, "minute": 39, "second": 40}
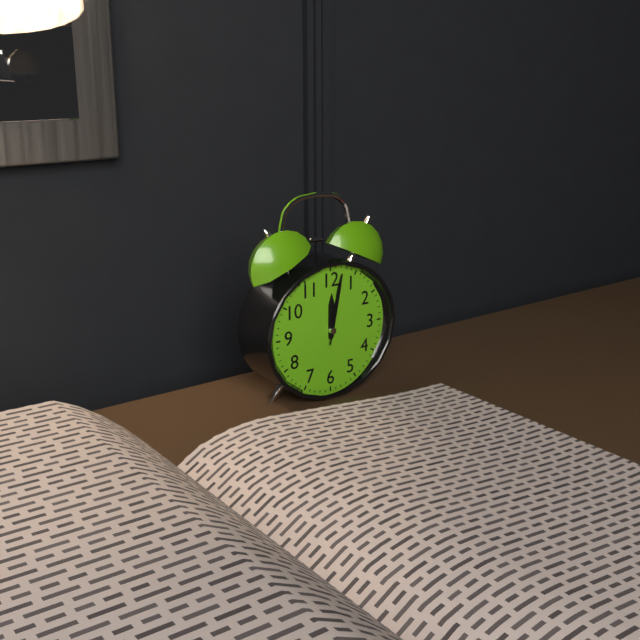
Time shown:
{"hour": 12, "minute": 2, "second": 2}
